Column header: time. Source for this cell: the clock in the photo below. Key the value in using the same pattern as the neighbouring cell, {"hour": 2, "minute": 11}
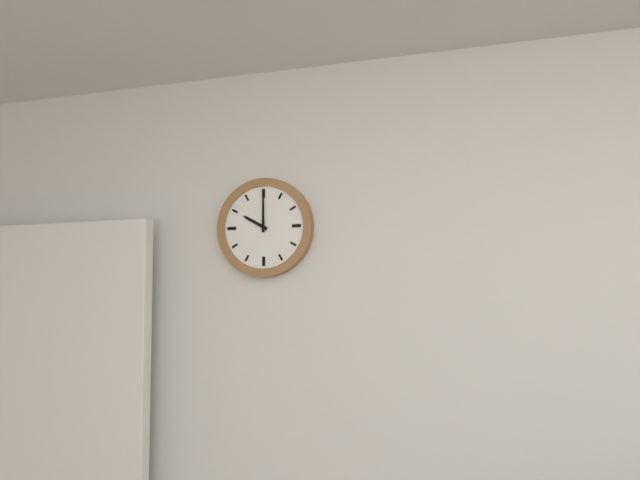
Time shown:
{"hour": 10, "minute": 0}
